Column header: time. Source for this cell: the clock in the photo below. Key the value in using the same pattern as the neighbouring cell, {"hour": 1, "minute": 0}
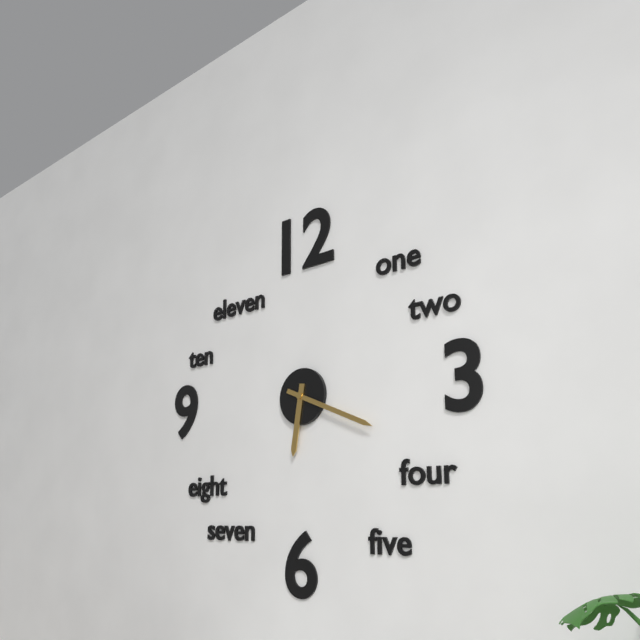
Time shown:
{"hour": 6, "minute": 19}
